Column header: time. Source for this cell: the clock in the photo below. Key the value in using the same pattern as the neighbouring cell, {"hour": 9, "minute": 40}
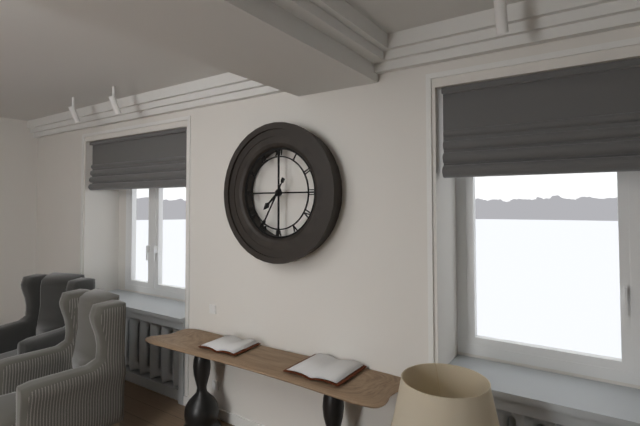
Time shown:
{"hour": 7, "minute": 35}
